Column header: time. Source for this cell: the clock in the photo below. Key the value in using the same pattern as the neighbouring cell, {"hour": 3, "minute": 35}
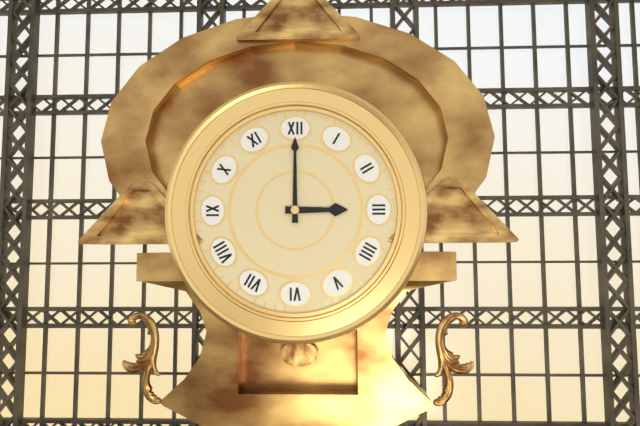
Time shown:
{"hour": 3, "minute": 0}
